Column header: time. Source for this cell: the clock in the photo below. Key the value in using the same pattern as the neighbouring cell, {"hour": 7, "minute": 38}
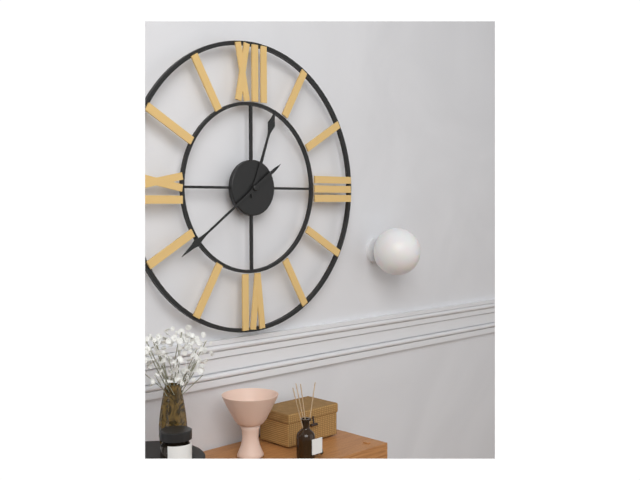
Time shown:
{"hour": 12, "minute": 39}
